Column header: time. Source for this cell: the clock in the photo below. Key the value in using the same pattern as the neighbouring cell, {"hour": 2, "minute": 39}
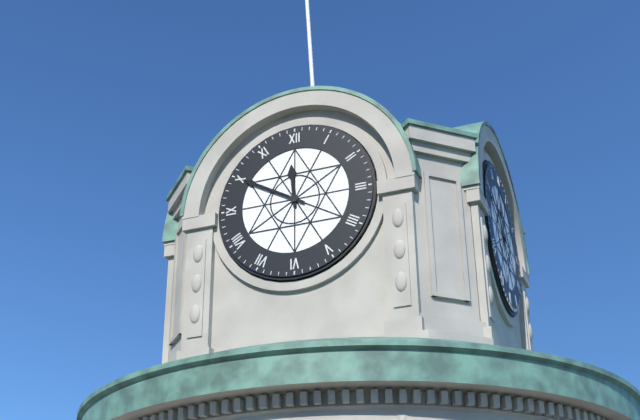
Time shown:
{"hour": 11, "minute": 50}
